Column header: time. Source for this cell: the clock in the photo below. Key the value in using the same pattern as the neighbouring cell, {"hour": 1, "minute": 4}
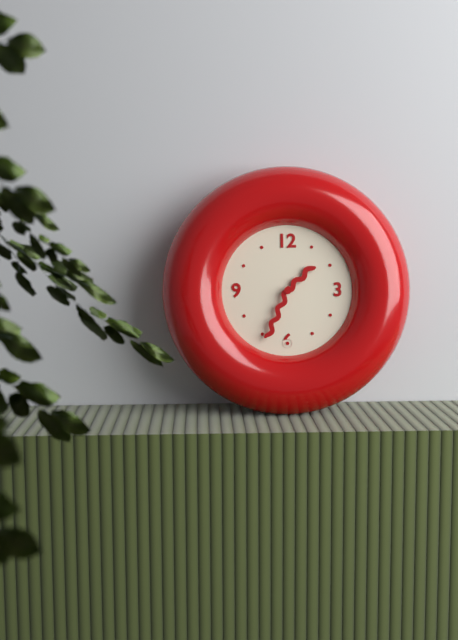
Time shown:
{"hour": 1, "minute": 34}
